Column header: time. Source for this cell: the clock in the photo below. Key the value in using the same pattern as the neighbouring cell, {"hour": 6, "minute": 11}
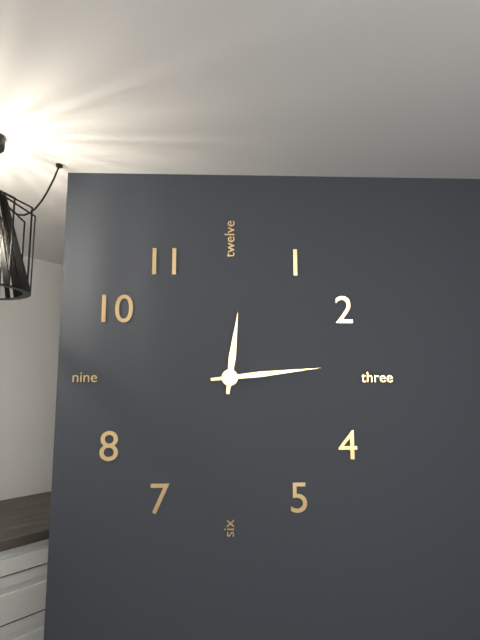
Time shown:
{"hour": 12, "minute": 14}
